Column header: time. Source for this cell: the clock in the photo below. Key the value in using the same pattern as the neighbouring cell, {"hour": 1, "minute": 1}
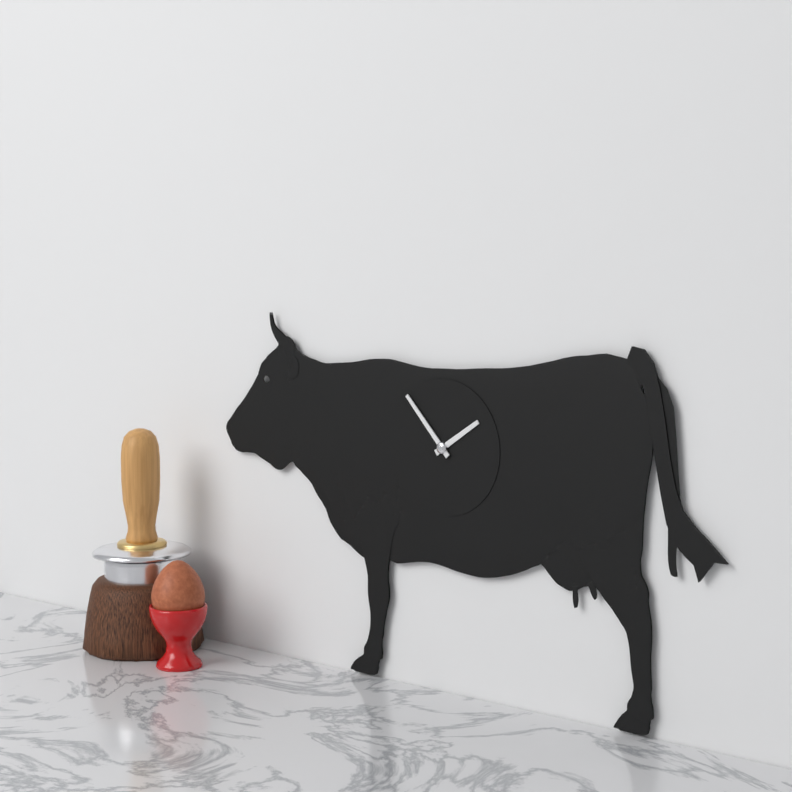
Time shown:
{"hour": 1, "minute": 53}
